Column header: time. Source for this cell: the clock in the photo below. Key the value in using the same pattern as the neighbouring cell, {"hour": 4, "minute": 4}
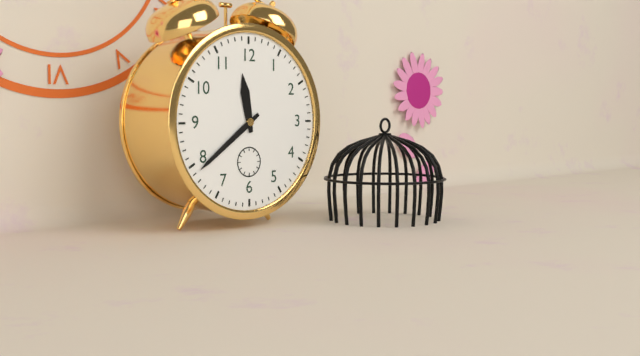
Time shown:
{"hour": 11, "minute": 39}
